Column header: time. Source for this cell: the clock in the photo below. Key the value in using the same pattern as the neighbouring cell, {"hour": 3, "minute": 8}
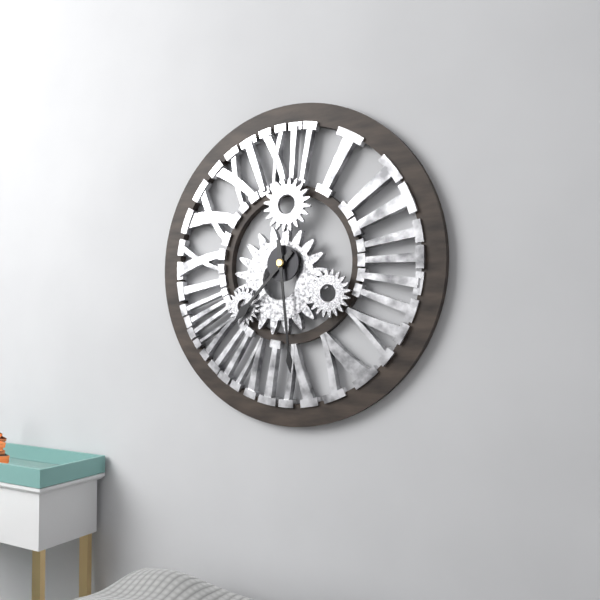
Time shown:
{"hour": 7, "minute": 29}
